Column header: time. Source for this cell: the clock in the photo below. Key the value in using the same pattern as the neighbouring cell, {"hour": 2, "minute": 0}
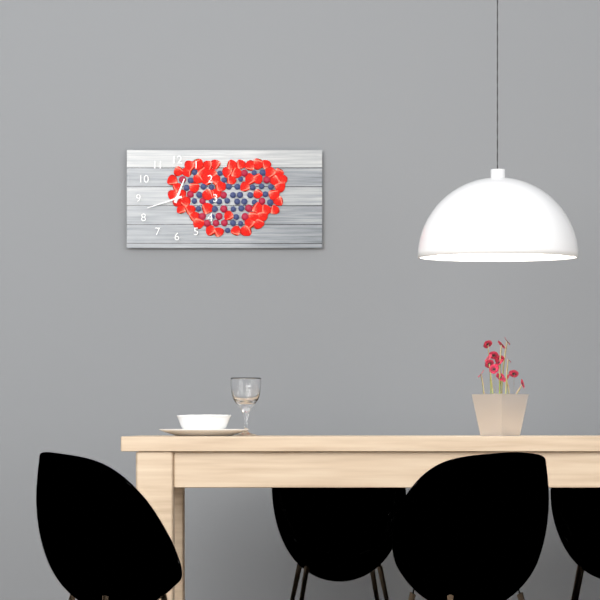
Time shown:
{"hour": 12, "minute": 42}
